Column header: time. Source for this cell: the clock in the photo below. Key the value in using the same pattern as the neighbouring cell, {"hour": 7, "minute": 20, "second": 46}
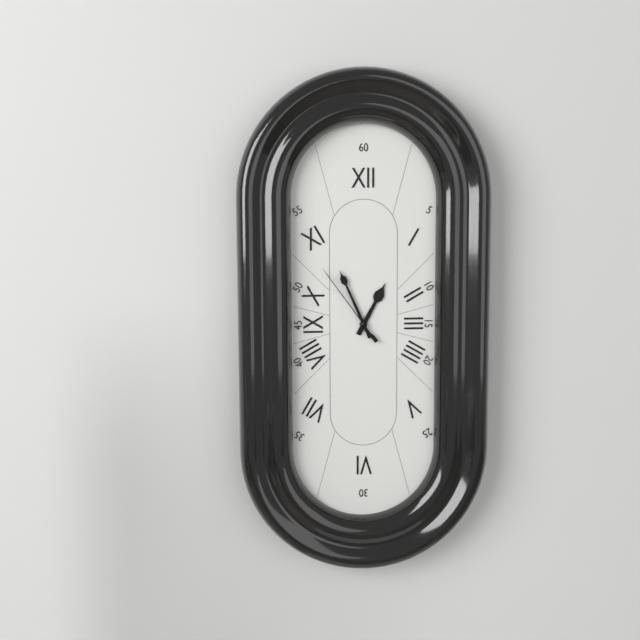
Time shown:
{"hour": 12, "minute": 56, "second": 54}
